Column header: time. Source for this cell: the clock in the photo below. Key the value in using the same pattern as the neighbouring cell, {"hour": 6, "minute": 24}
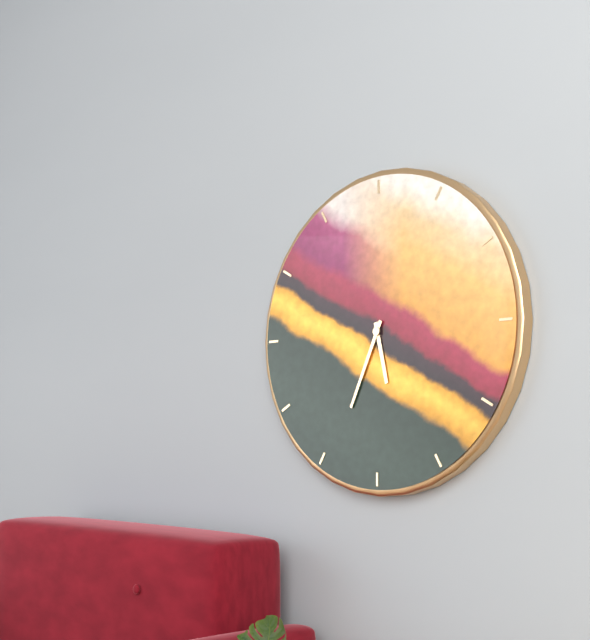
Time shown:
{"hour": 5, "minute": 34}
